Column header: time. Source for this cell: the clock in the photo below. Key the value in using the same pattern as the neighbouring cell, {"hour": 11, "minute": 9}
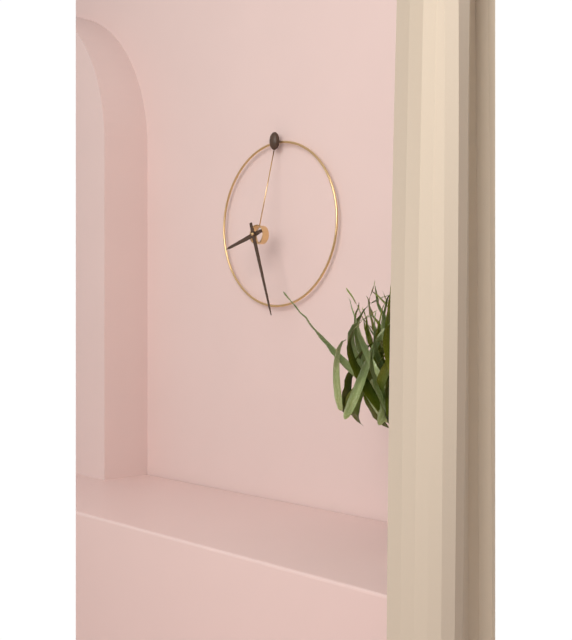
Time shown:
{"hour": 8, "minute": 27}
